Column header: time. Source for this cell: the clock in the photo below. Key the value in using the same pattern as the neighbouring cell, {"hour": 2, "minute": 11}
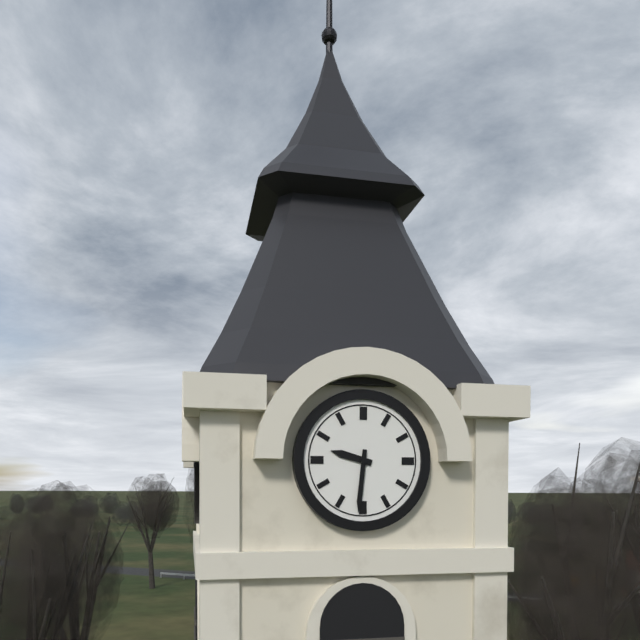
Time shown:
{"hour": 9, "minute": 31}
